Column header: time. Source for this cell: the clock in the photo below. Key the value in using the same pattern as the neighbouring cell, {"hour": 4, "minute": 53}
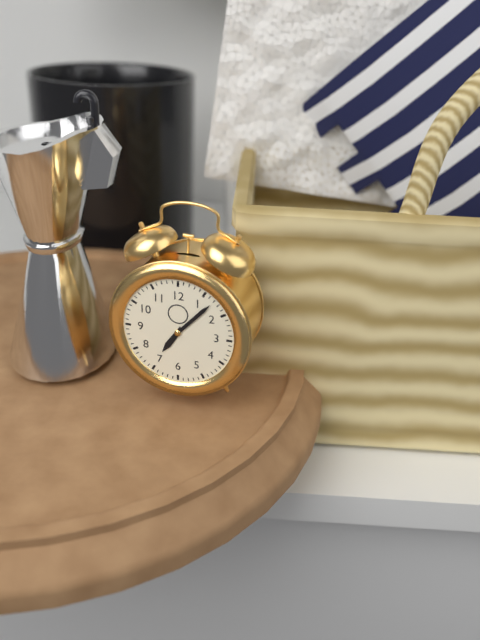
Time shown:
{"hour": 7, "minute": 7}
